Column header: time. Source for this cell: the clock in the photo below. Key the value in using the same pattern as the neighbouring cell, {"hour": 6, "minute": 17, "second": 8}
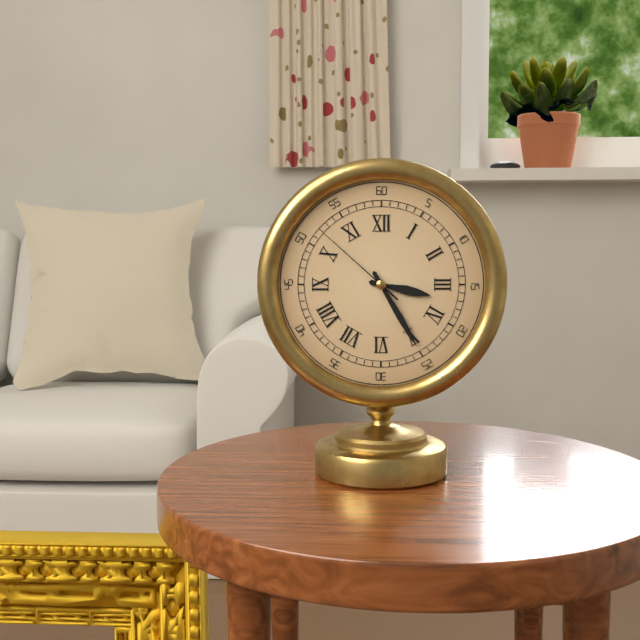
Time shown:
{"hour": 3, "minute": 25, "second": 52}
